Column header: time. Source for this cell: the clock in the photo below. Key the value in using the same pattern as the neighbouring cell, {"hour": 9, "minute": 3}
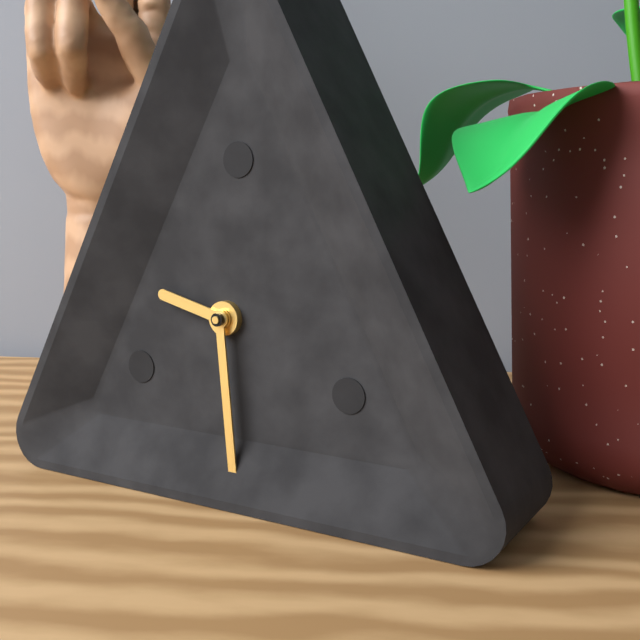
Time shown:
{"hour": 9, "minute": 29}
